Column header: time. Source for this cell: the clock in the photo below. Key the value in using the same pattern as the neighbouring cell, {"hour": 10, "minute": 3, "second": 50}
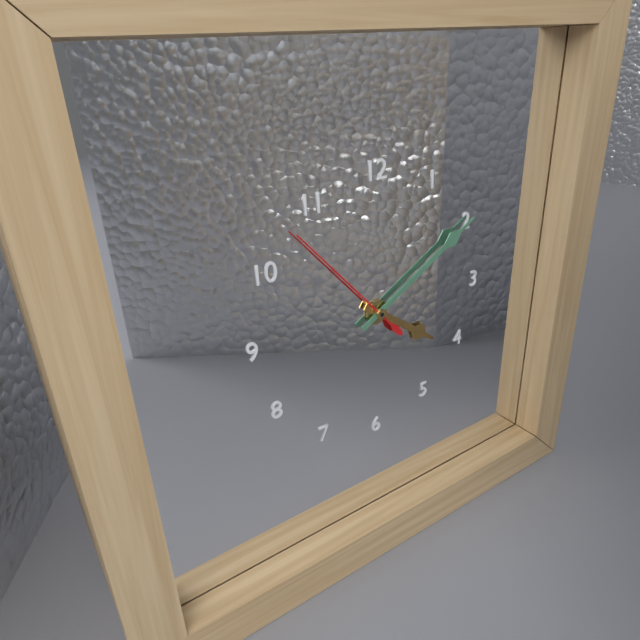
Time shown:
{"hour": 4, "minute": 10, "second": 53}
